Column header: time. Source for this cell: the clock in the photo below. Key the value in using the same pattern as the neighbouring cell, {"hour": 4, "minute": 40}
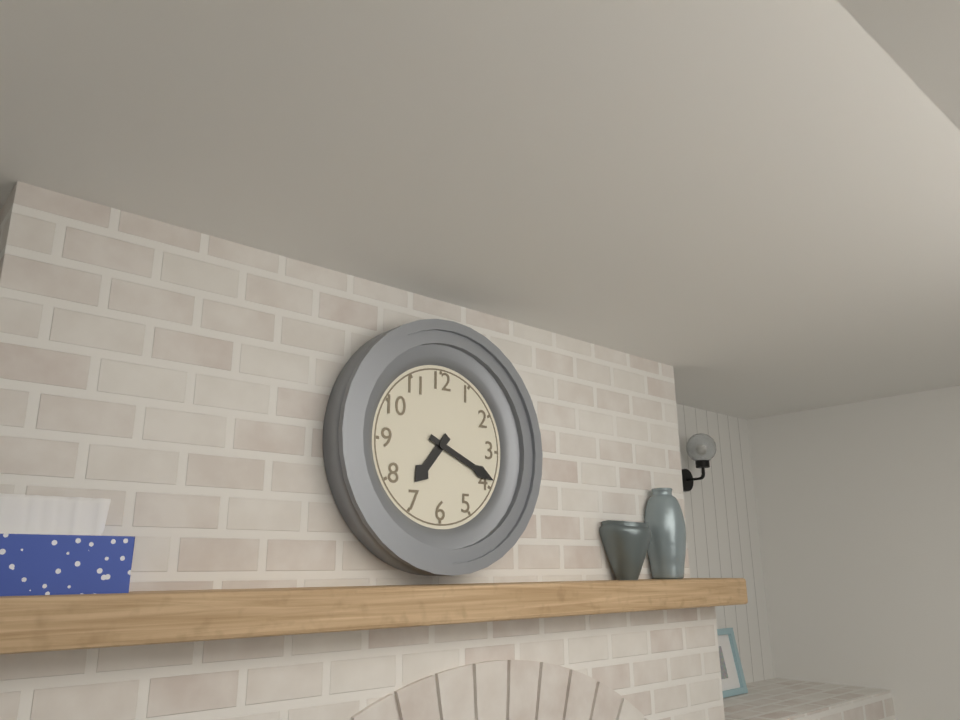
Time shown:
{"hour": 7, "minute": 19}
